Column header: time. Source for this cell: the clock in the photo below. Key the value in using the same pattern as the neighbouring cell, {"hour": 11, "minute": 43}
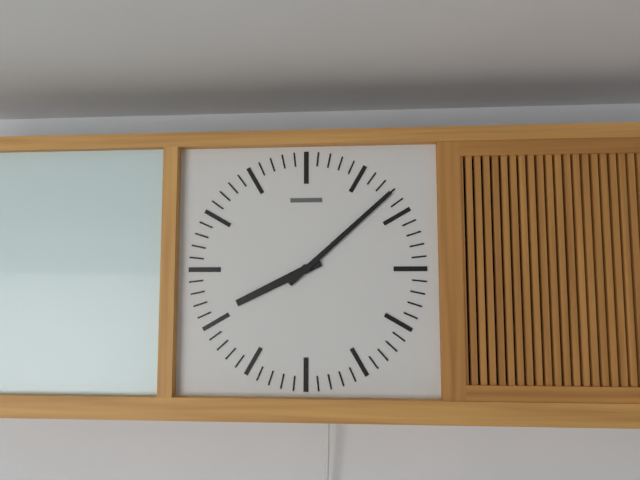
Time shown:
{"hour": 8, "minute": 8}
